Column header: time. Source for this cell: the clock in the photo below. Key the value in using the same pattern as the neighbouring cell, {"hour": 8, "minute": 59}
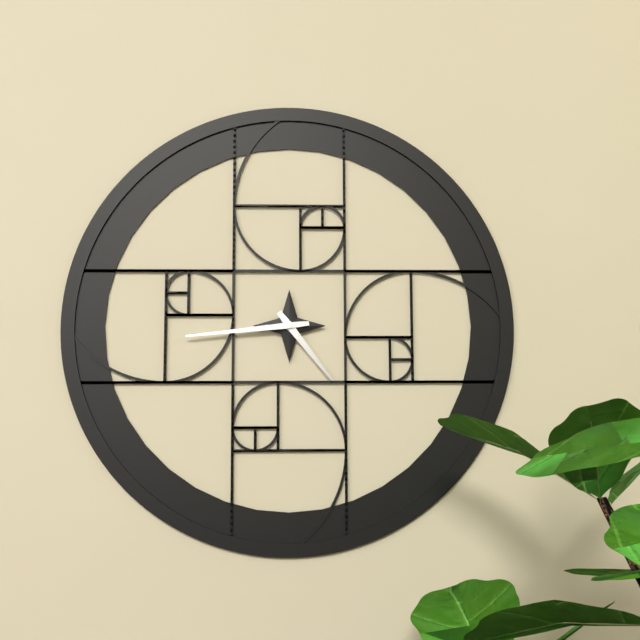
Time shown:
{"hour": 4, "minute": 44}
